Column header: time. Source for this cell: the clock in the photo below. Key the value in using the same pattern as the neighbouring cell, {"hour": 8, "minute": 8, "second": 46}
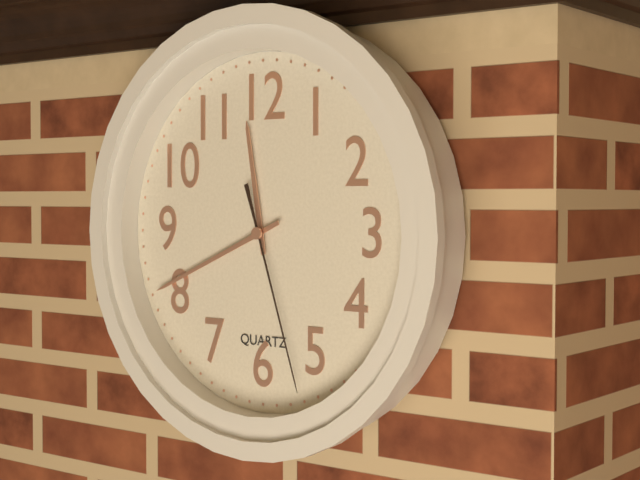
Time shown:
{"hour": 11, "minute": 41, "second": 27}
